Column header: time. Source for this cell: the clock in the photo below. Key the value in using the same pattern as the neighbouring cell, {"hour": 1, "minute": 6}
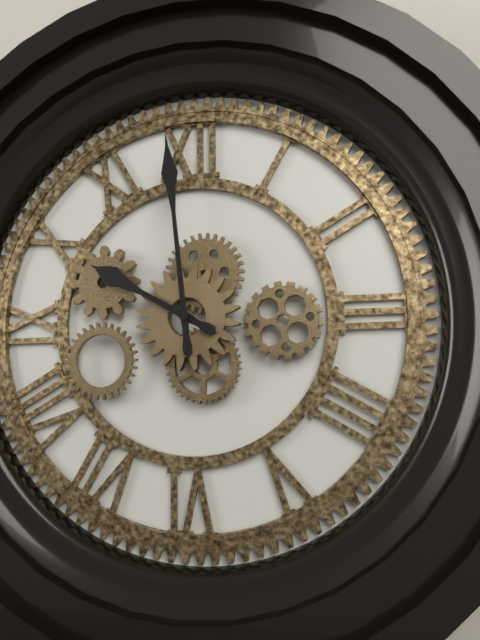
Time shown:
{"hour": 9, "minute": 59}
